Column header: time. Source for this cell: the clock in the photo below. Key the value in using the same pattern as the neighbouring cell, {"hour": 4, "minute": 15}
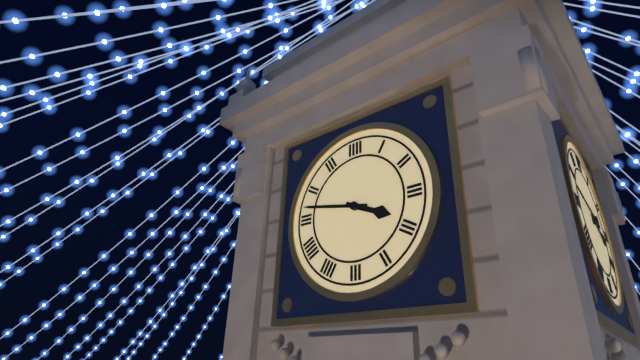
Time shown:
{"hour": 3, "minute": 47}
